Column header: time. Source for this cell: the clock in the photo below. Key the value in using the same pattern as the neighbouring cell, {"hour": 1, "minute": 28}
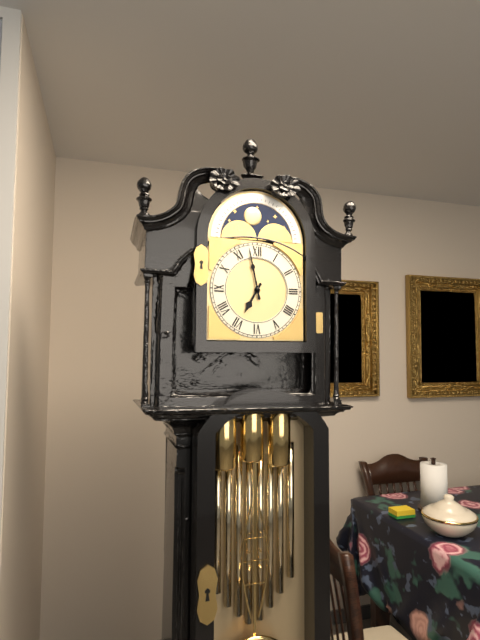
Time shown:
{"hour": 6, "minute": 58}
